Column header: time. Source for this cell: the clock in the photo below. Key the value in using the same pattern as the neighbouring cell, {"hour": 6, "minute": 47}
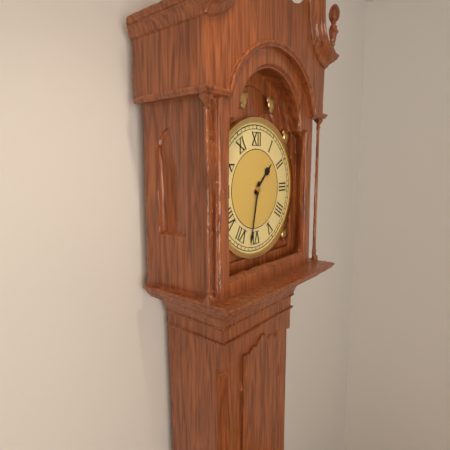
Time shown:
{"hour": 1, "minute": 32}
